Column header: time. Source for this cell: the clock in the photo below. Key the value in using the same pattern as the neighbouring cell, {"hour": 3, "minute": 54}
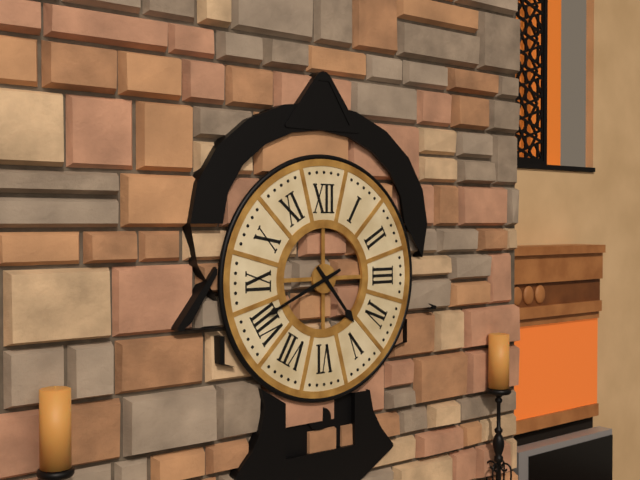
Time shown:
{"hour": 4, "minute": 41}
